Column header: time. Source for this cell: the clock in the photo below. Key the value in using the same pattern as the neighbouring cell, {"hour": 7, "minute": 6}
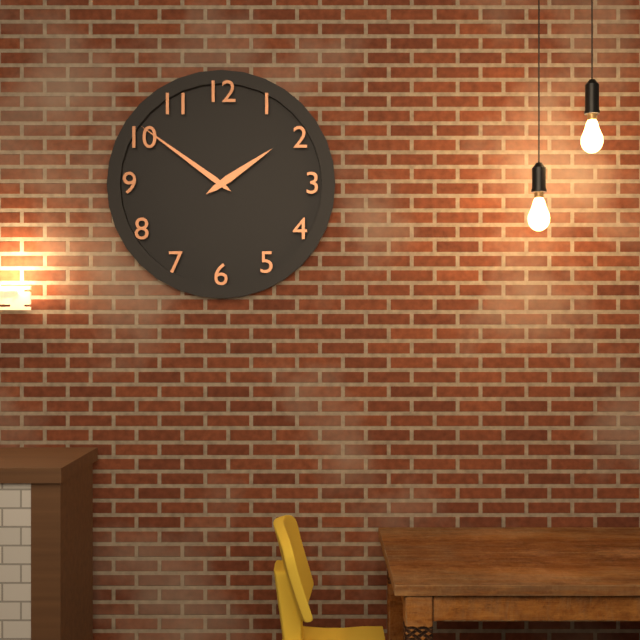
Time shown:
{"hour": 1, "minute": 51}
